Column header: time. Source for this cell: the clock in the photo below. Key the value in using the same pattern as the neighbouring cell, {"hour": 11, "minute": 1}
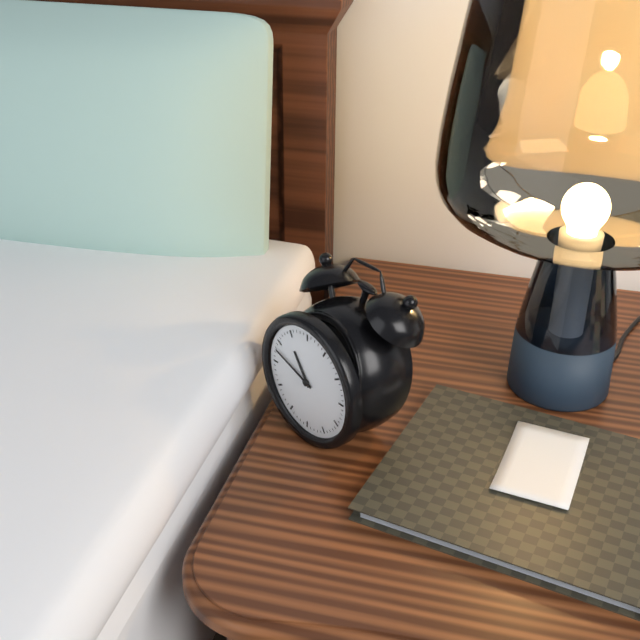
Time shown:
{"hour": 10, "minute": 48}
